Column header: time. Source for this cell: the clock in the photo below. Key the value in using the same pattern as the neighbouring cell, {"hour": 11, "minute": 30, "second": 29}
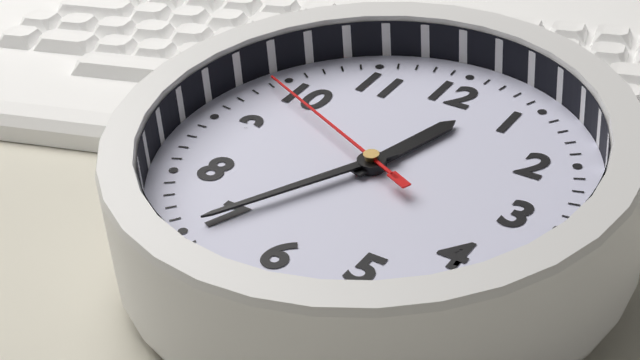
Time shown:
{"hour": 12, "minute": 35, "second": 49}
